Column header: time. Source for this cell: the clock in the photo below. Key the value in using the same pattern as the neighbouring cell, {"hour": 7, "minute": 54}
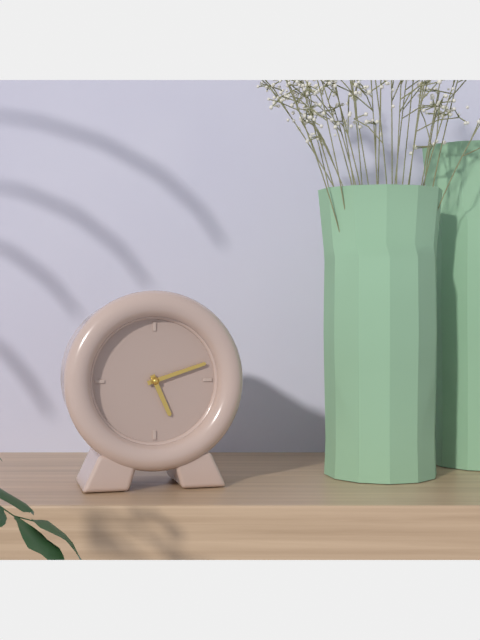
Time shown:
{"hour": 5, "minute": 12}
